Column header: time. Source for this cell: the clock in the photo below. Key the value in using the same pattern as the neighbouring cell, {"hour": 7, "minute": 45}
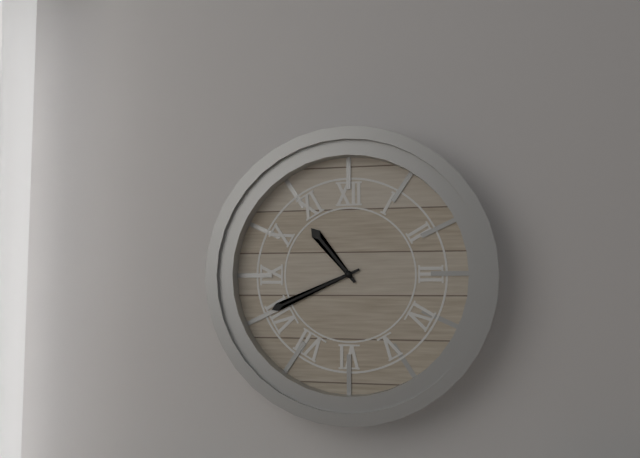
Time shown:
{"hour": 10, "minute": 41}
